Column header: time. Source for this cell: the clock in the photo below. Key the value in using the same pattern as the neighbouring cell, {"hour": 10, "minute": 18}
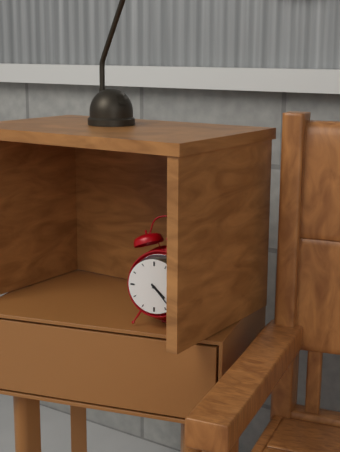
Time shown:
{"hour": 4, "minute": 23}
